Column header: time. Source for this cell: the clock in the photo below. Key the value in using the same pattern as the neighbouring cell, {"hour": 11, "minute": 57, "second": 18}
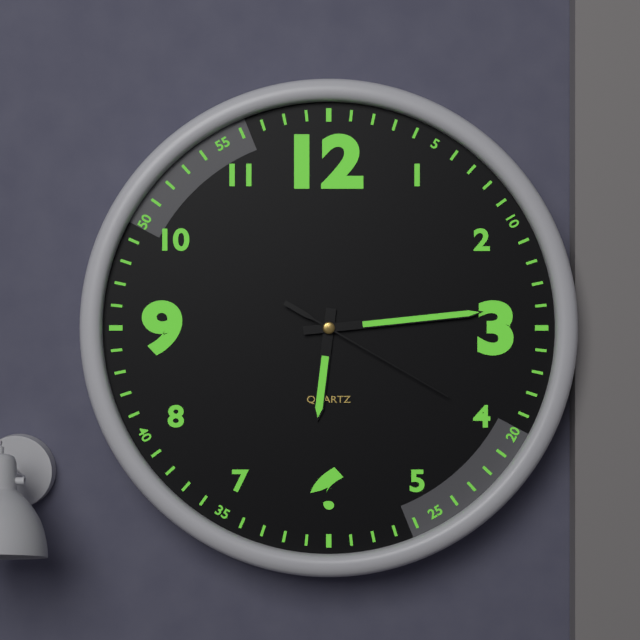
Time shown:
{"hour": 6, "minute": 14, "second": 20}
